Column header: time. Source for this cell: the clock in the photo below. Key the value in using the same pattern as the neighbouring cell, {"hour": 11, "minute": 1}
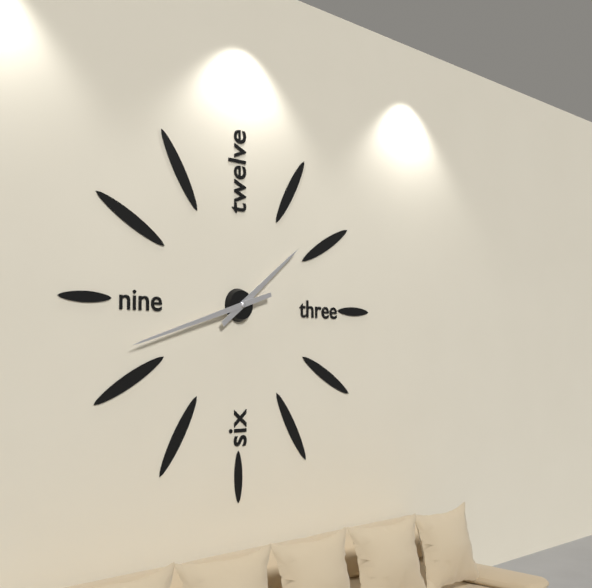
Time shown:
{"hour": 1, "minute": 42}
